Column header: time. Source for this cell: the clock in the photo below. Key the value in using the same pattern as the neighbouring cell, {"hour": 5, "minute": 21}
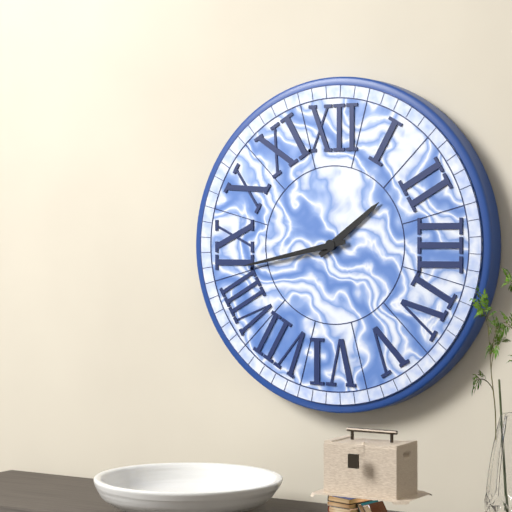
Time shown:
{"hour": 1, "minute": 43}
